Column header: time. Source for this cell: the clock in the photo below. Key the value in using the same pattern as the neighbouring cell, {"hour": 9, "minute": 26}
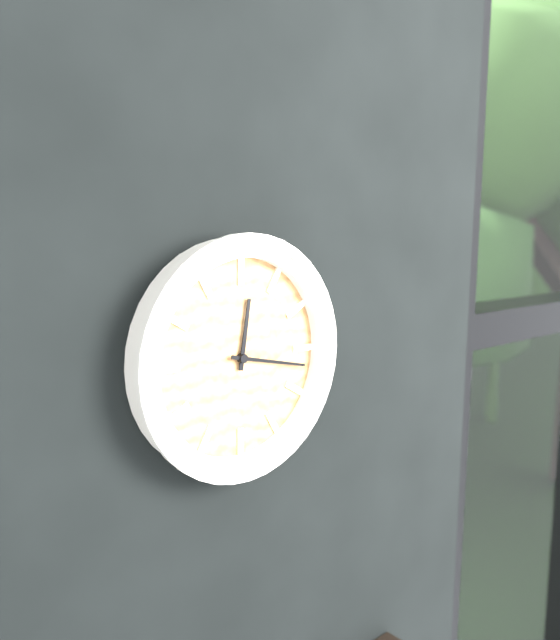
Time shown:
{"hour": 12, "minute": 17}
